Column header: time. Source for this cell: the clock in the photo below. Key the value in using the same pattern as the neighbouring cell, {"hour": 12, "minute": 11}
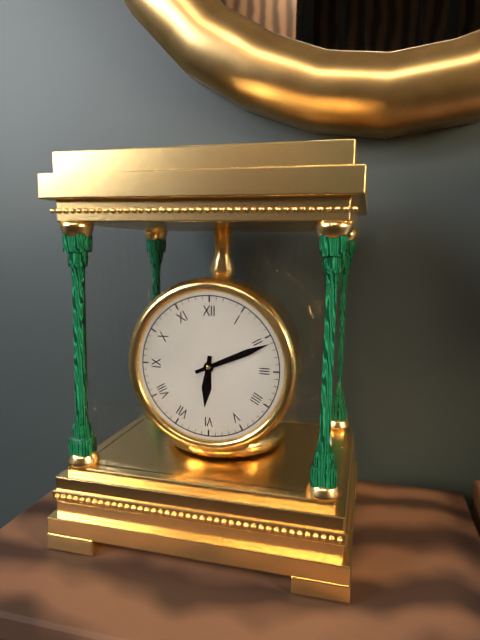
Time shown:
{"hour": 6, "minute": 11}
